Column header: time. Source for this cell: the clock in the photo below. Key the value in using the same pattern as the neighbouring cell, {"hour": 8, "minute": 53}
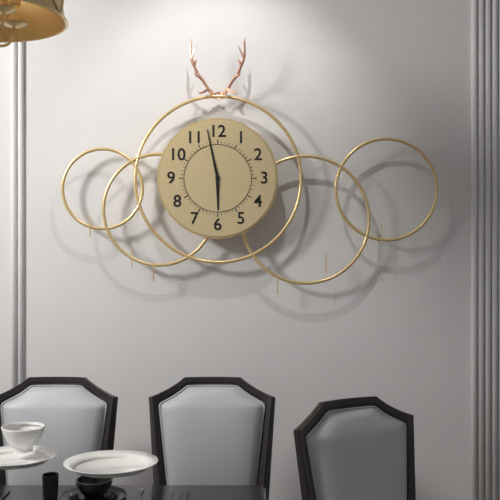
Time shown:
{"hour": 5, "minute": 58}
